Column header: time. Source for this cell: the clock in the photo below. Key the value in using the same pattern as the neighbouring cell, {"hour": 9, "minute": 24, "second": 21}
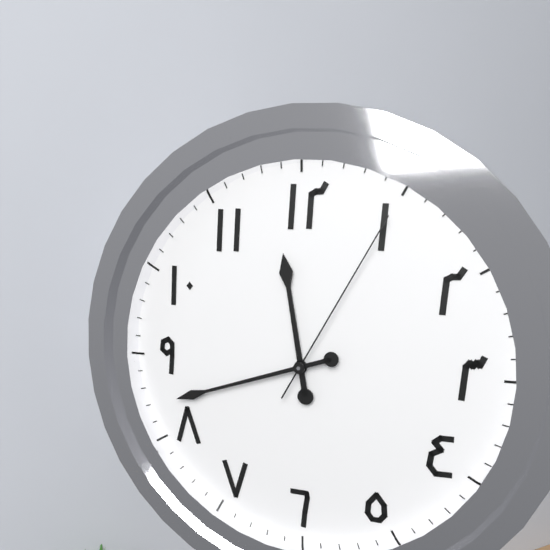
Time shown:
{"hour": 11, "minute": 42, "second": 5}
